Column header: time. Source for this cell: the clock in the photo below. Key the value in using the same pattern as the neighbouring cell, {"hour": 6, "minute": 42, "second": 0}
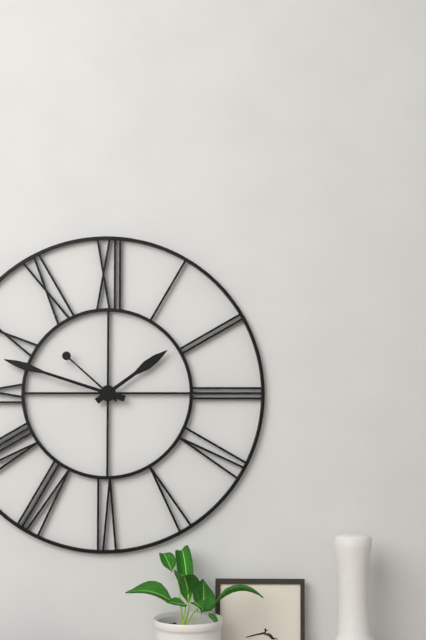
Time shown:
{"hour": 1, "minute": 48, "second": 52}
